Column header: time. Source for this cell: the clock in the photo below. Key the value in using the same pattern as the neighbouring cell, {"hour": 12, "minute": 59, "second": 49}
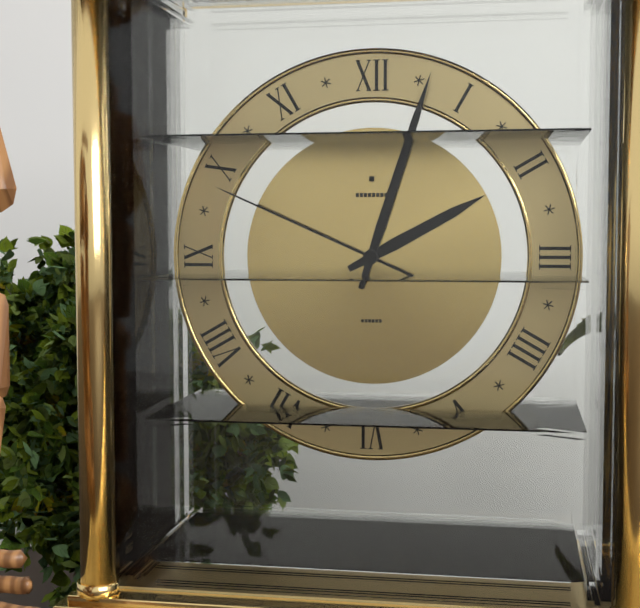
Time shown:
{"hour": 2, "minute": 3, "second": 49}
